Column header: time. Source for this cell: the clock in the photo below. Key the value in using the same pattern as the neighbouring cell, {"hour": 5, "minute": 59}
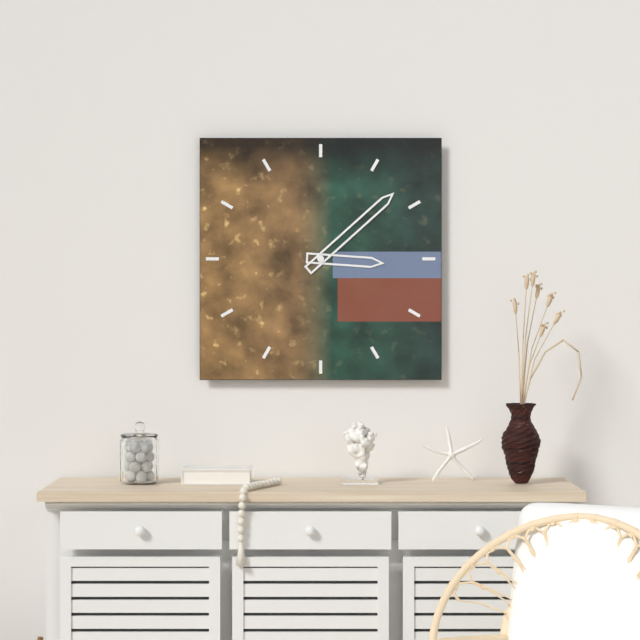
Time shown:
{"hour": 3, "minute": 8}
